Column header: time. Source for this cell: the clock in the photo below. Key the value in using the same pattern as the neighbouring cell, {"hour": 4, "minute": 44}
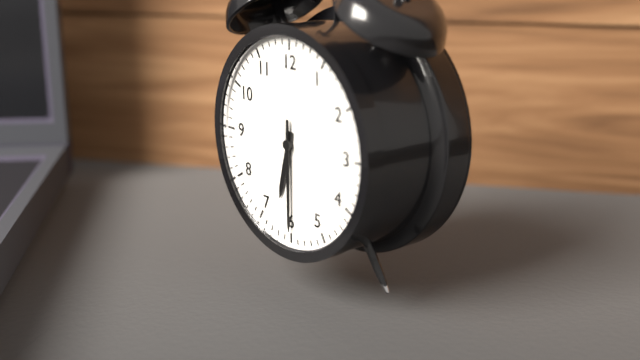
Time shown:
{"hour": 6, "minute": 30}
